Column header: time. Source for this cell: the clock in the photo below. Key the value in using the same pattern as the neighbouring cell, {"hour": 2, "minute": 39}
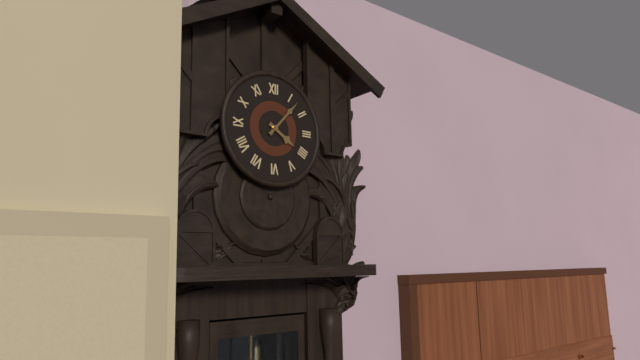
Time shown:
{"hour": 4, "minute": 7}
